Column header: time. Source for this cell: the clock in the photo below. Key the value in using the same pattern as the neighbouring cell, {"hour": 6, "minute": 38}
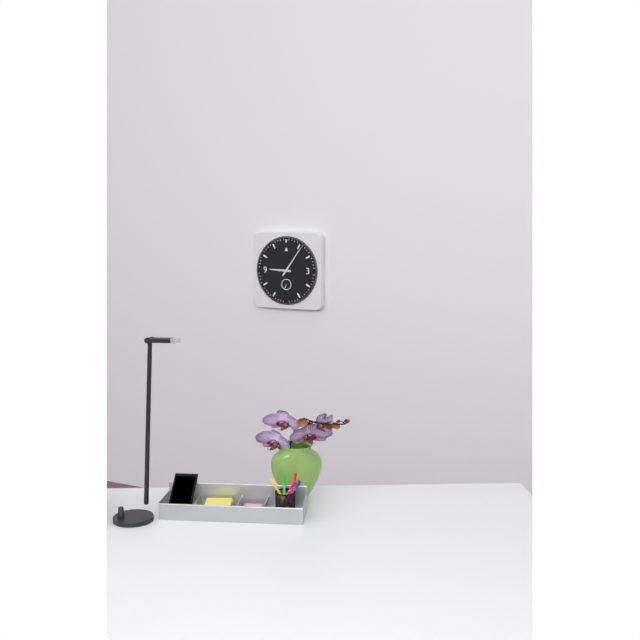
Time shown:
{"hour": 9, "minute": 6}
